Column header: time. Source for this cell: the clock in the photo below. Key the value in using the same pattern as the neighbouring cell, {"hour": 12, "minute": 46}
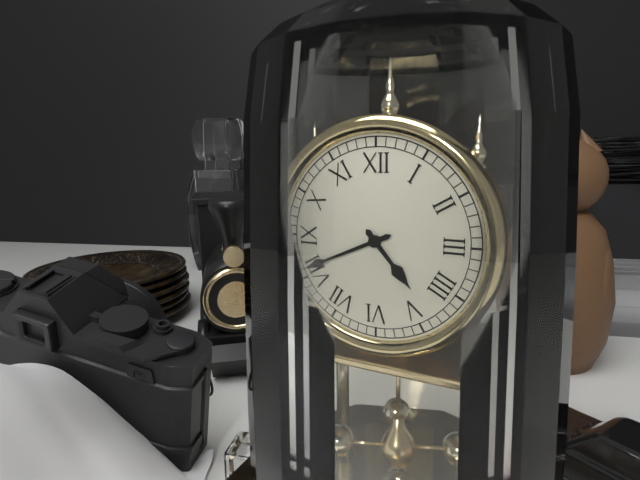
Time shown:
{"hour": 4, "minute": 41}
